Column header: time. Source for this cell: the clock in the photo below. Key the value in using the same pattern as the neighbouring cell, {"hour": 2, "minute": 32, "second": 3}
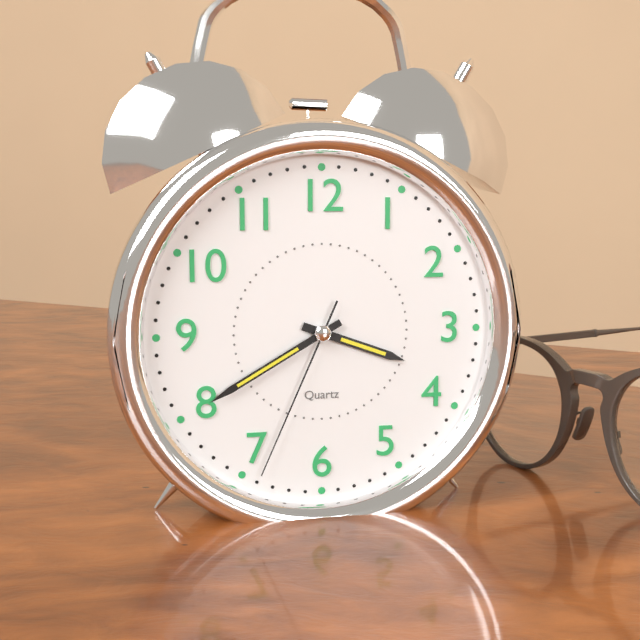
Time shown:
{"hour": 3, "minute": 40, "second": 34}
